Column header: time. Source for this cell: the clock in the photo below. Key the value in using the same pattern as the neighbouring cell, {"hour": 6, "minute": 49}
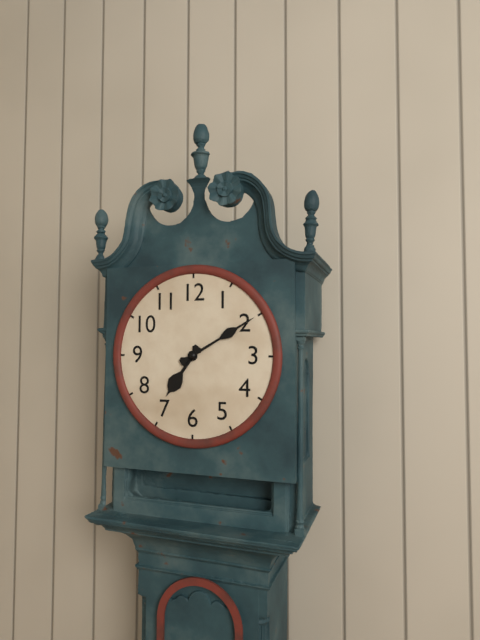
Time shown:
{"hour": 7, "minute": 10}
